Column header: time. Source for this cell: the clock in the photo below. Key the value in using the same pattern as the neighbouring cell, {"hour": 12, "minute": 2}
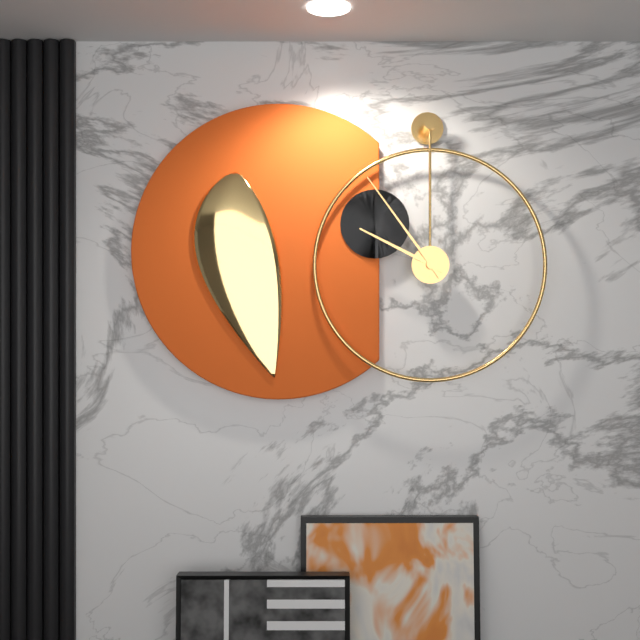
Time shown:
{"hour": 9, "minute": 54}
